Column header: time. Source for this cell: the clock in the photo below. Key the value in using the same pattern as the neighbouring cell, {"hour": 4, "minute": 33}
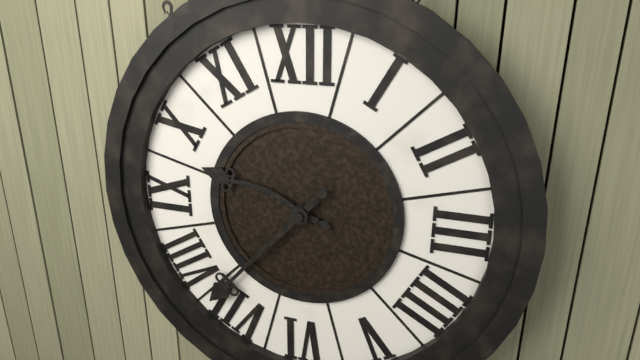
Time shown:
{"hour": 9, "minute": 37}
